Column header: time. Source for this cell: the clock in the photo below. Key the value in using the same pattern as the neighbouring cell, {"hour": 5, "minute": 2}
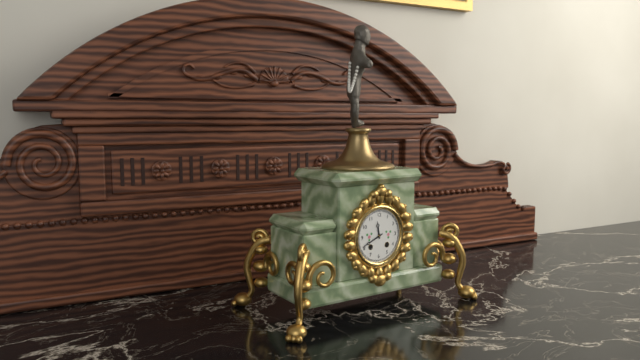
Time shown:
{"hour": 11, "minute": 41}
